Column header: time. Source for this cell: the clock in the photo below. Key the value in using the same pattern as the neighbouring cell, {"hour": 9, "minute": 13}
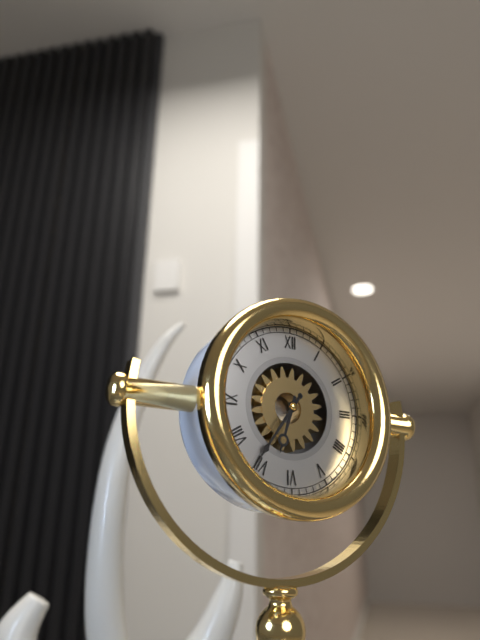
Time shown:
{"hour": 6, "minute": 36}
